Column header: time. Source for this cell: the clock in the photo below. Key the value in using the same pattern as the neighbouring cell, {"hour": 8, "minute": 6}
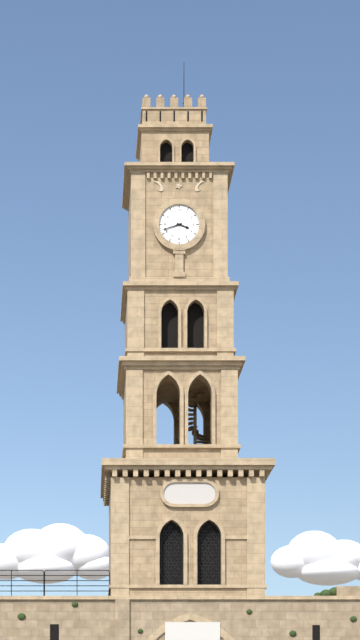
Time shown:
{"hour": 3, "minute": 42}
